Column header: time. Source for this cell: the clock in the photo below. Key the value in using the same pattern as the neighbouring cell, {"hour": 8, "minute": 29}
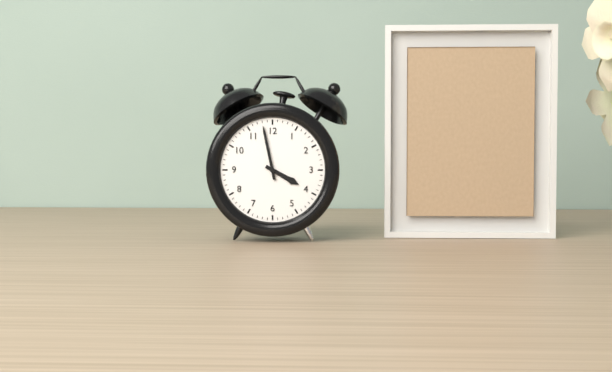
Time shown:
{"hour": 3, "minute": 58}
